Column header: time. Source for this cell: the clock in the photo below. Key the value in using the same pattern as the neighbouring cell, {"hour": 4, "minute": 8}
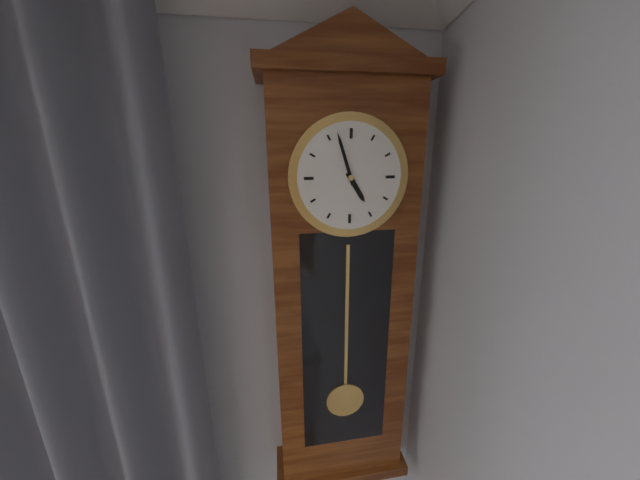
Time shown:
{"hour": 4, "minute": 57}
